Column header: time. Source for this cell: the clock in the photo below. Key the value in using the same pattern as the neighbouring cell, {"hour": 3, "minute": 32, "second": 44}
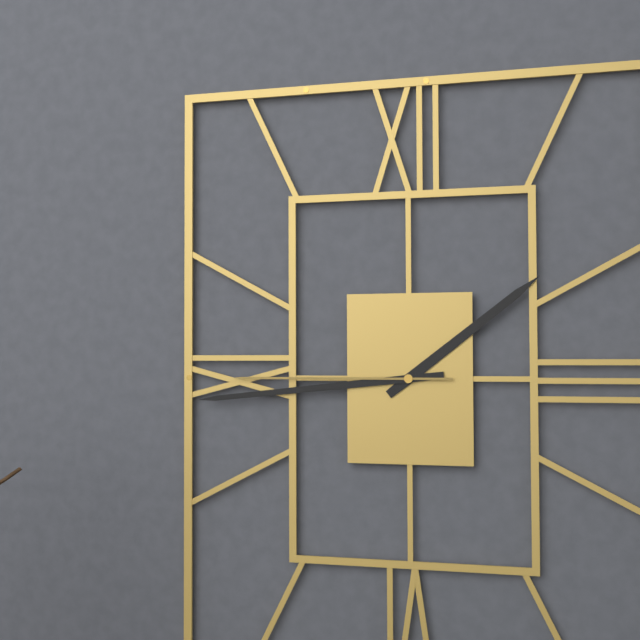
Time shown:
{"hour": 1, "minute": 44, "second": 45}
